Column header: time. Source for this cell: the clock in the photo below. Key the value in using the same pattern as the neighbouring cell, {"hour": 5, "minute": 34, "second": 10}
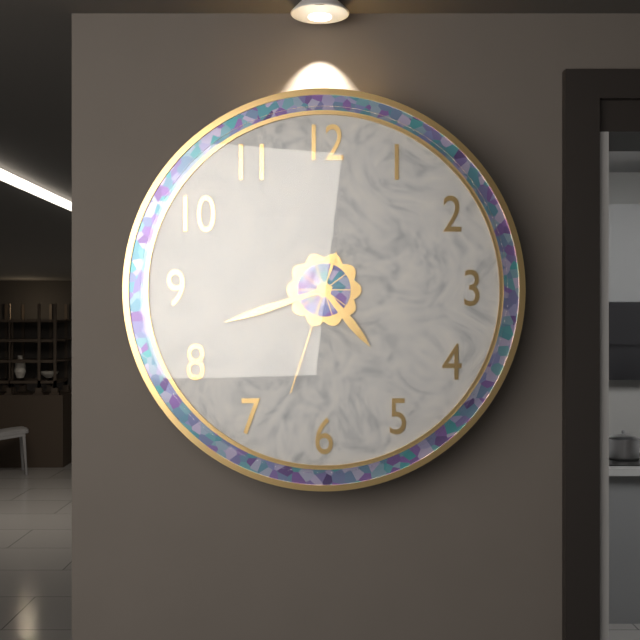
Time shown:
{"hour": 4, "minute": 42, "second": 33}
